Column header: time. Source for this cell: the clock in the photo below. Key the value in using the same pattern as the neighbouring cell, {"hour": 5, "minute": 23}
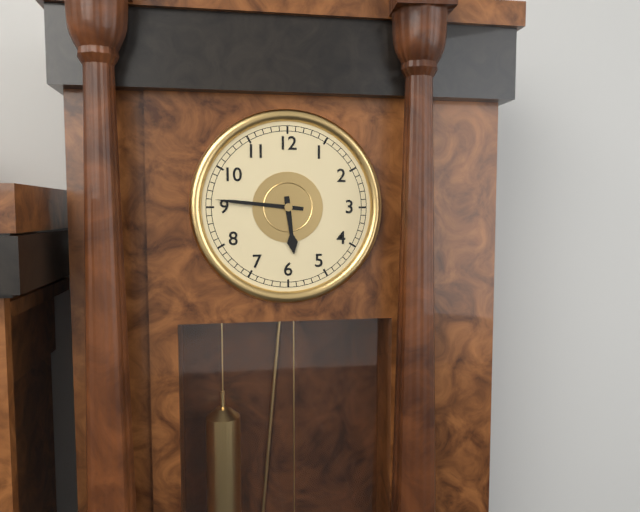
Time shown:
{"hour": 5, "minute": 46}
